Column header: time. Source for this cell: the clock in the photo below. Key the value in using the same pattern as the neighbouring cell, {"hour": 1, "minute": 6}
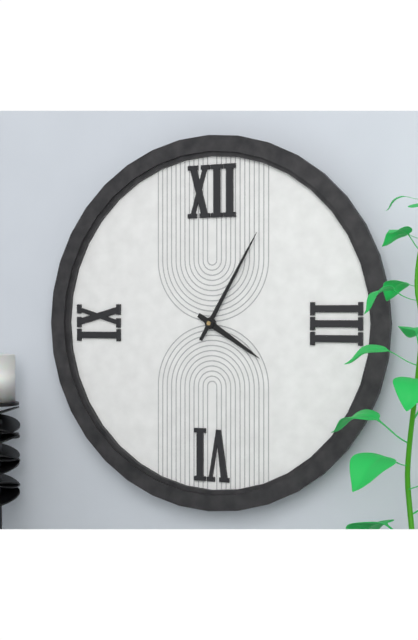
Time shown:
{"hour": 4, "minute": 5}
